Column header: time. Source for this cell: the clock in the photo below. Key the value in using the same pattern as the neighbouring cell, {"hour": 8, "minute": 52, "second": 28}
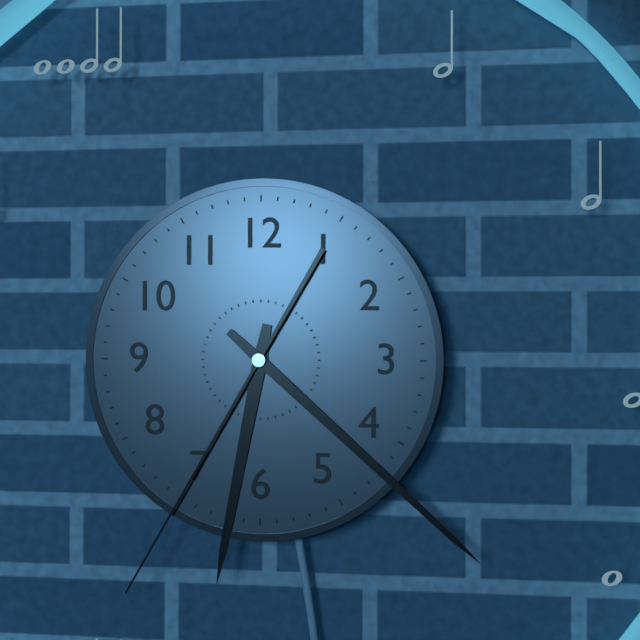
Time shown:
{"hour": 6, "minute": 22, "second": 35}
